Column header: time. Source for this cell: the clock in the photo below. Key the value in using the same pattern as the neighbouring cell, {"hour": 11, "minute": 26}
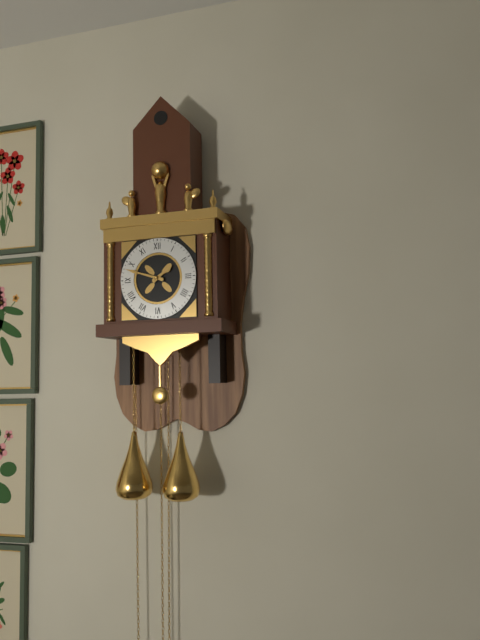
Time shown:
{"hour": 1, "minute": 48}
